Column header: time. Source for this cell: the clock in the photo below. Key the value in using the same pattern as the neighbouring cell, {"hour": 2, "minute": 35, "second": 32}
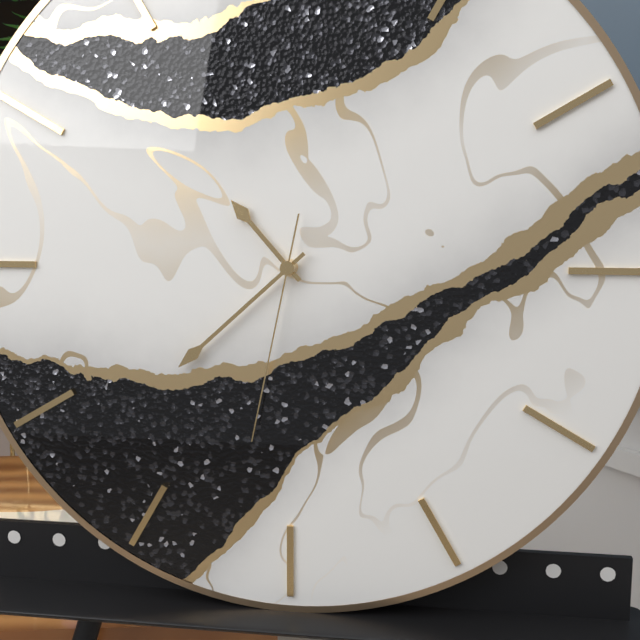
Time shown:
{"hour": 10, "minute": 38, "second": 32}
